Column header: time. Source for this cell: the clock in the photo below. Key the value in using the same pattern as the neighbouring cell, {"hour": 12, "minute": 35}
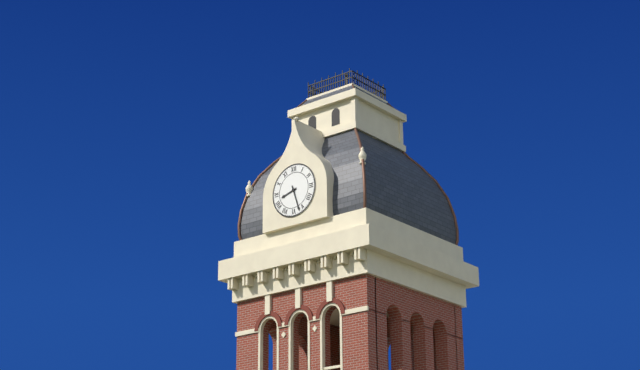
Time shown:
{"hour": 8, "minute": 27}
